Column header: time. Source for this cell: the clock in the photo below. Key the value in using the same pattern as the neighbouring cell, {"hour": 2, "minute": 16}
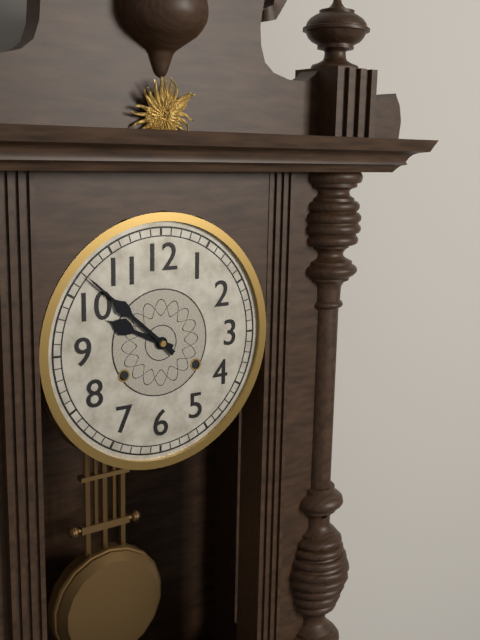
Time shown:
{"hour": 9, "minute": 52}
